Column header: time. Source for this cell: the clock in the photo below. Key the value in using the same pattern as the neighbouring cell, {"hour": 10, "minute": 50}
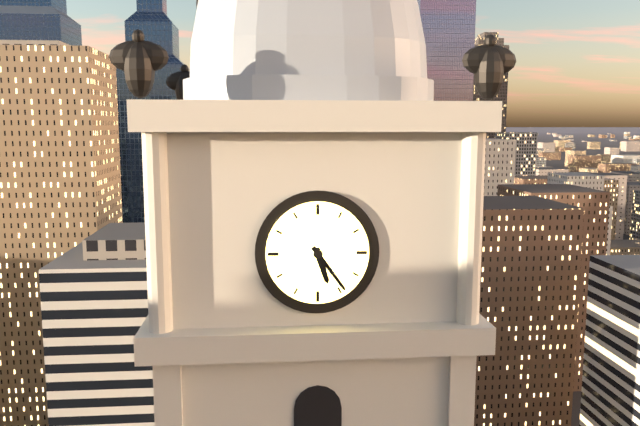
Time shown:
{"hour": 5, "minute": 24}
